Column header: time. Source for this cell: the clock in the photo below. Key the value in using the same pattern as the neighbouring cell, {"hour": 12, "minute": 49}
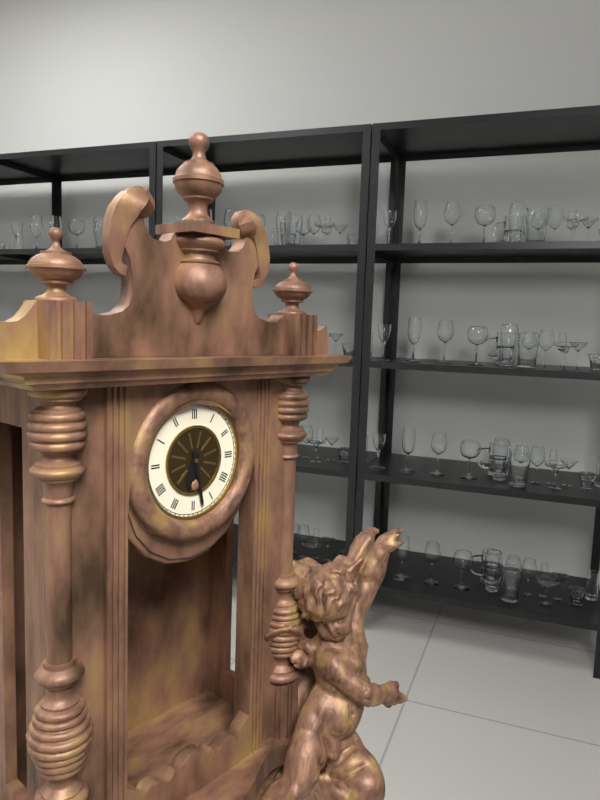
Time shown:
{"hour": 6, "minute": 28}
